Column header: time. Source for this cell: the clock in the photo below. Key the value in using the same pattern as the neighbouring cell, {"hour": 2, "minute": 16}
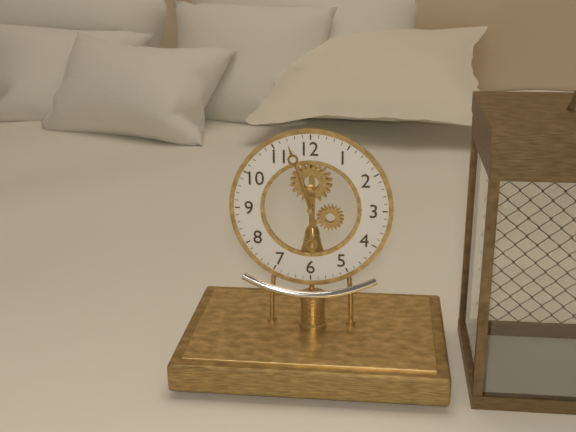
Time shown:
{"hour": 5, "minute": 57}
